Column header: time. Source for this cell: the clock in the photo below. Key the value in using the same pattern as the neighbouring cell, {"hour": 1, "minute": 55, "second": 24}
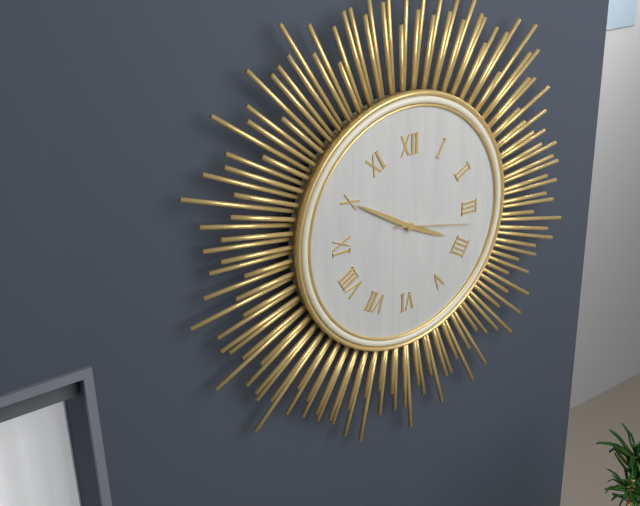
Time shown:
{"hour": 3, "minute": 50, "second": 17}
